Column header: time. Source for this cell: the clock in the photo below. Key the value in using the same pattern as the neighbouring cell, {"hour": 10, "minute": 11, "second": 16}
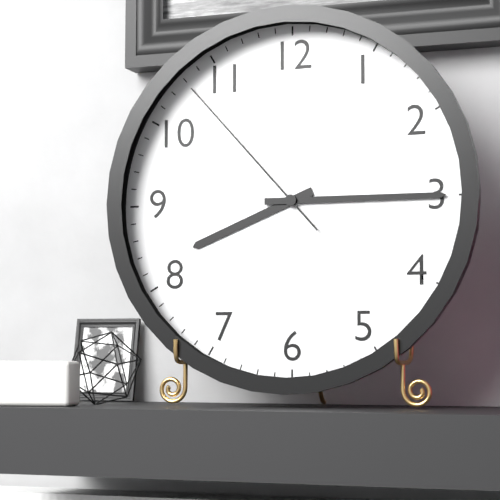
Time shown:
{"hour": 8, "minute": 15, "second": 53}
